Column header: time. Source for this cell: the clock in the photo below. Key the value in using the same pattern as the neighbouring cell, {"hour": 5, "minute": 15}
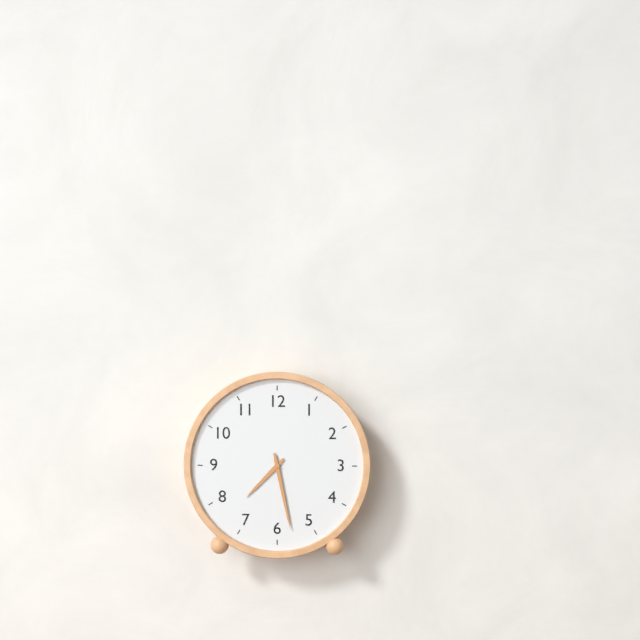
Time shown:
{"hour": 7, "minute": 28}
